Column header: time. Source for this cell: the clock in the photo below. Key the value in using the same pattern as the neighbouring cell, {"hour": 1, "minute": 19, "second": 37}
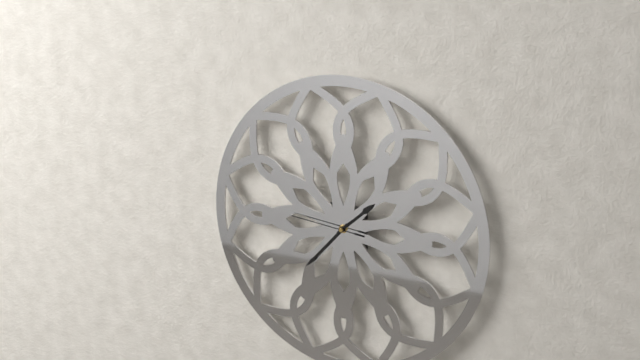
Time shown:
{"hour": 1, "minute": 37, "second": 46}
